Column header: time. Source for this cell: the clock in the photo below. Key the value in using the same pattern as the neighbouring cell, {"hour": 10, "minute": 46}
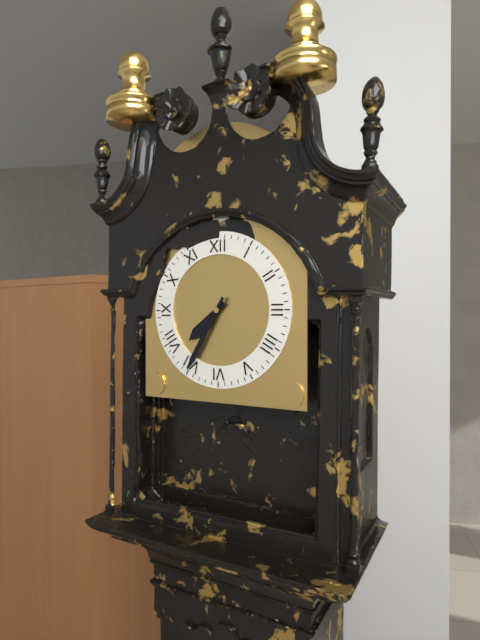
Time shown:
{"hour": 7, "minute": 35}
